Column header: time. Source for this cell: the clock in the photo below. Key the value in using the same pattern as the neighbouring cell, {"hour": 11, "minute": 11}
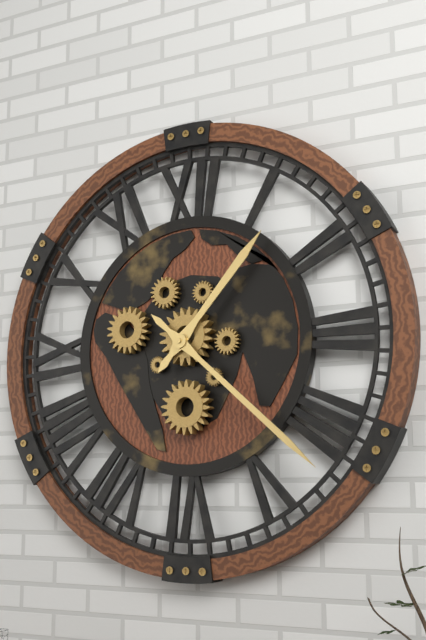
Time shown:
{"hour": 1, "minute": 22}
